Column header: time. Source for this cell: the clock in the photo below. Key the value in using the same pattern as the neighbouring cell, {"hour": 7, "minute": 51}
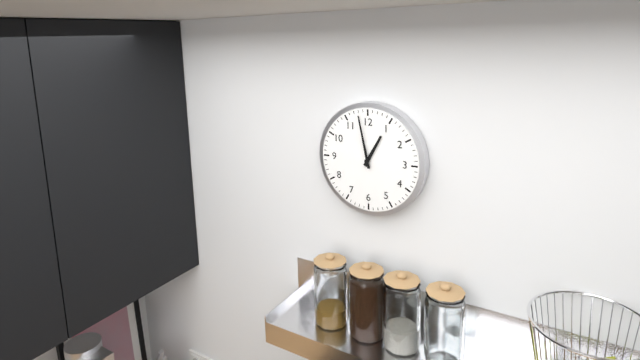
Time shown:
{"hour": 12, "minute": 58}
